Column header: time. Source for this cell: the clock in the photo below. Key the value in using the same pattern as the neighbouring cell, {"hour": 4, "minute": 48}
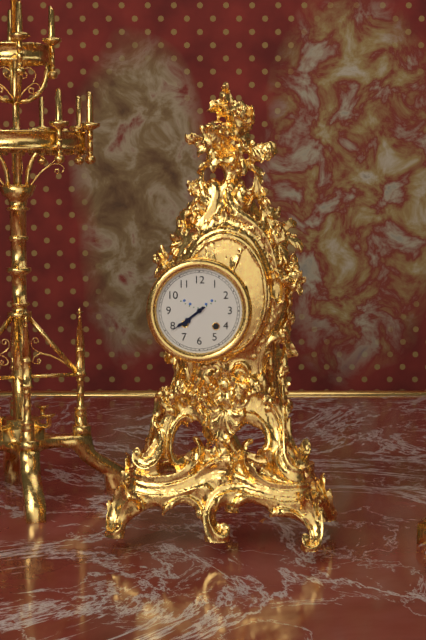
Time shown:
{"hour": 7, "minute": 39}
